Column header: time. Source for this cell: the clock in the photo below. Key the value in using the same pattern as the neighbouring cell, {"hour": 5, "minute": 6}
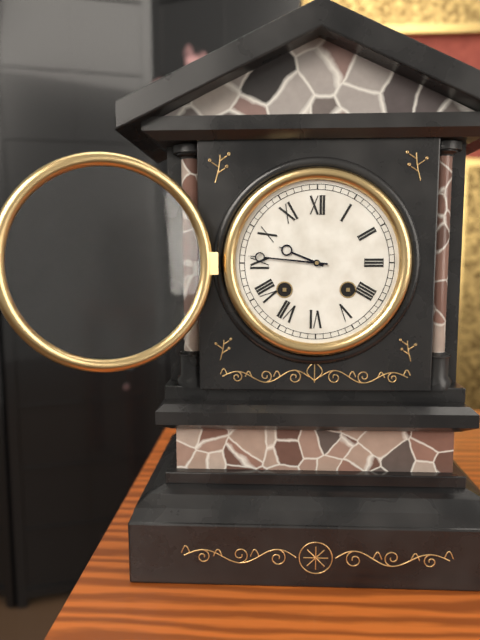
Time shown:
{"hour": 9, "minute": 46}
